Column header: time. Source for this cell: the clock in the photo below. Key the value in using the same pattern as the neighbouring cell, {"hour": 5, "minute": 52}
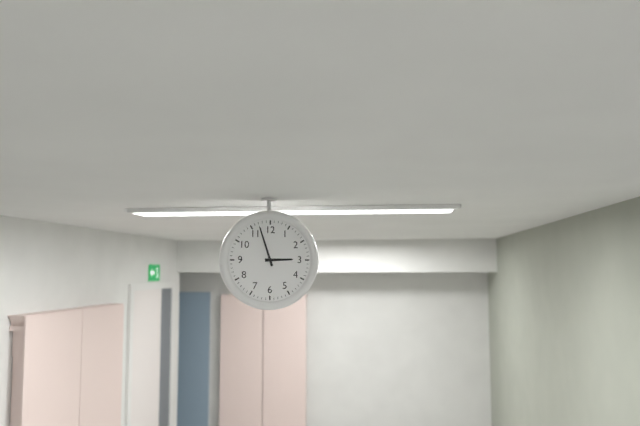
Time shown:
{"hour": 2, "minute": 57}
